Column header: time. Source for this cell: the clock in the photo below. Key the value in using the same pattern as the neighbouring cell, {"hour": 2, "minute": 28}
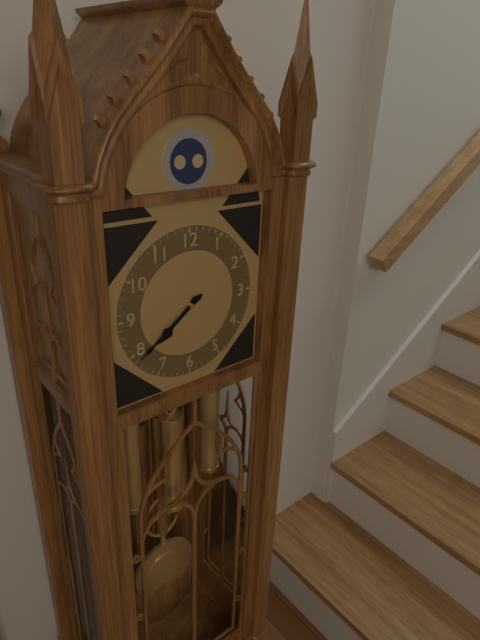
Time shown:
{"hour": 7, "minute": 39}
